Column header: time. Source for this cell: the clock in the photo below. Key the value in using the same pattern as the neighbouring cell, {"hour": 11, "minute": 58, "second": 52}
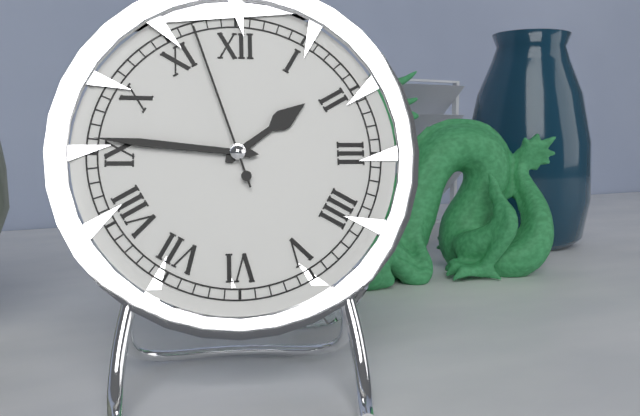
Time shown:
{"hour": 1, "minute": 46, "second": 57}
